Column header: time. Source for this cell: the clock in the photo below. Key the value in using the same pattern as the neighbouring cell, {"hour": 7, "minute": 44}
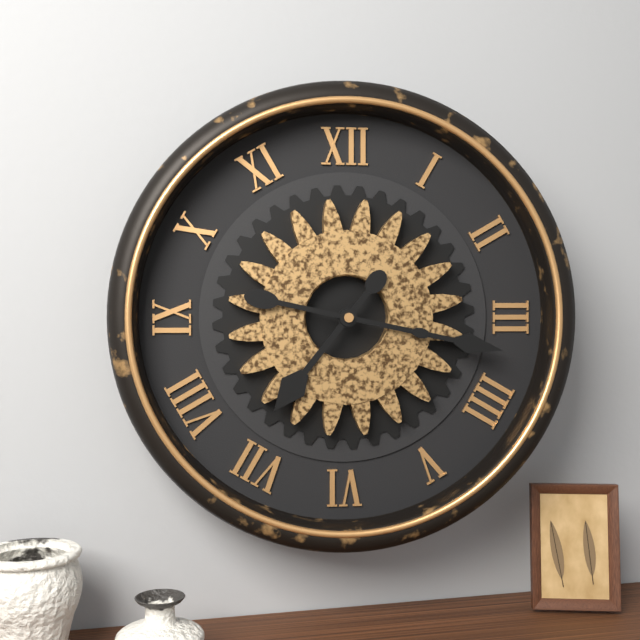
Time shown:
{"hour": 7, "minute": 17}
